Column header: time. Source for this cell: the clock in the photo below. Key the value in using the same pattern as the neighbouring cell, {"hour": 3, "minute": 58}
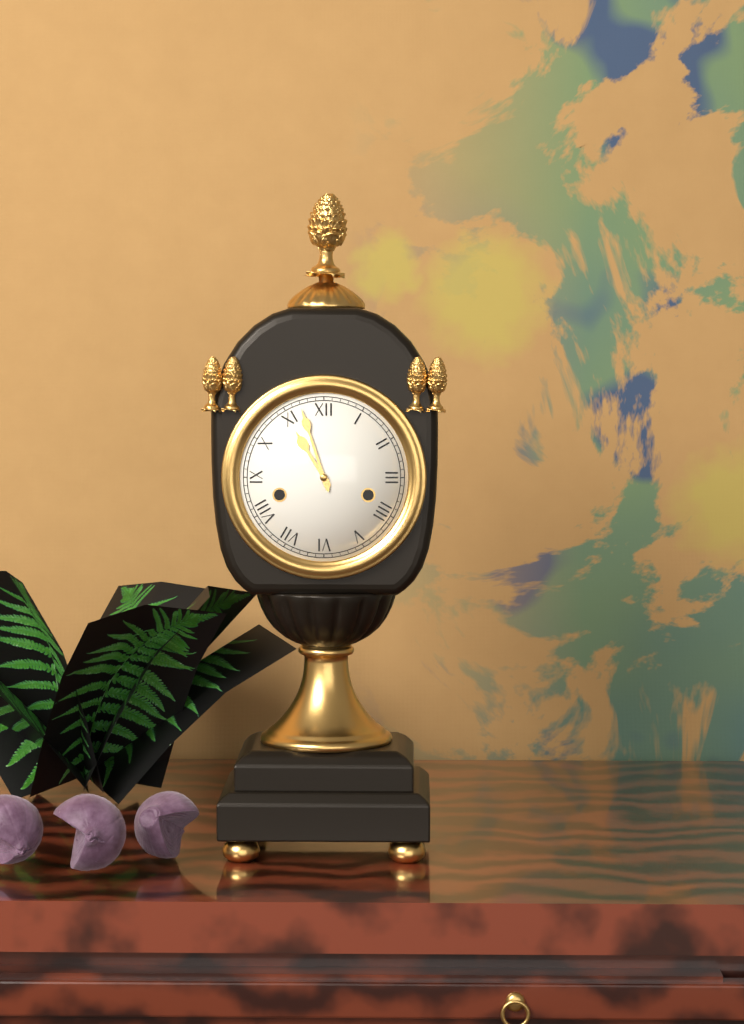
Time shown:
{"hour": 10, "minute": 57}
